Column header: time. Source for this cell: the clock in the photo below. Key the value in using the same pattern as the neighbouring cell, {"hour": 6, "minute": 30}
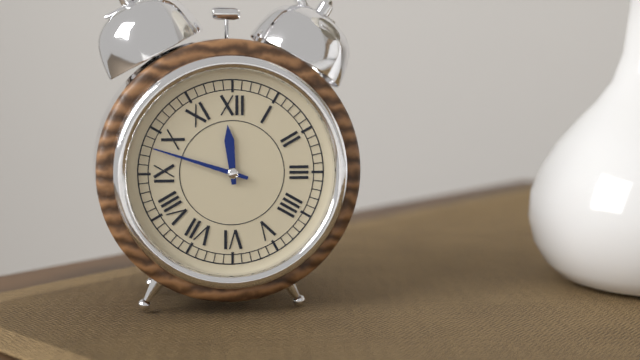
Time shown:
{"hour": 11, "minute": 48}
